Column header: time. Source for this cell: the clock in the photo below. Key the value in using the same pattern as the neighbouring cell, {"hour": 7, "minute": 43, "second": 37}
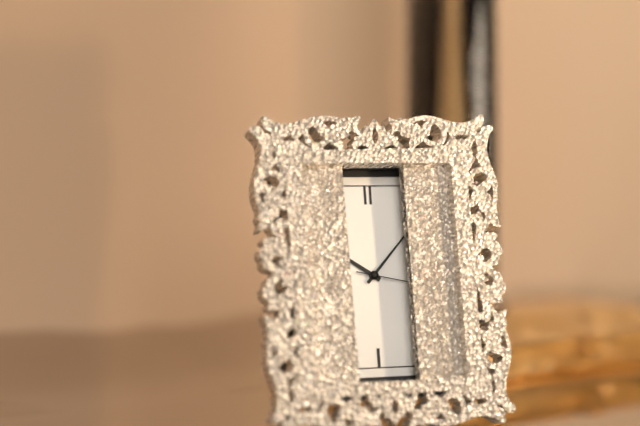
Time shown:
{"hour": 10, "minute": 7, "second": 17}
